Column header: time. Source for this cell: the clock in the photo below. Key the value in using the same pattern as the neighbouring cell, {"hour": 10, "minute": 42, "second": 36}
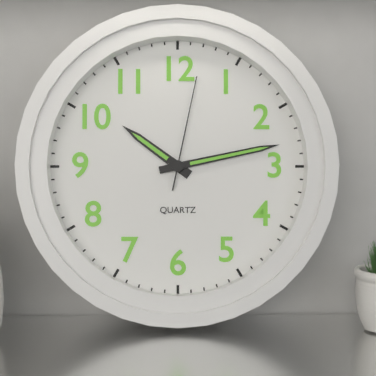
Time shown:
{"hour": 10, "minute": 13, "second": 2}
